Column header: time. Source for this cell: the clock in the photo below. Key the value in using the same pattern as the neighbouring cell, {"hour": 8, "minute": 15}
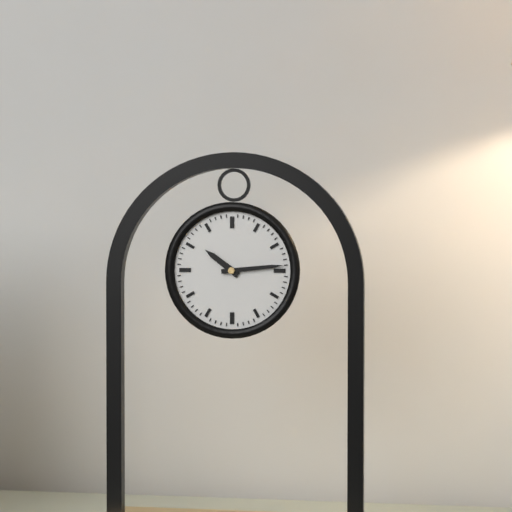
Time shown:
{"hour": 10, "minute": 14}
